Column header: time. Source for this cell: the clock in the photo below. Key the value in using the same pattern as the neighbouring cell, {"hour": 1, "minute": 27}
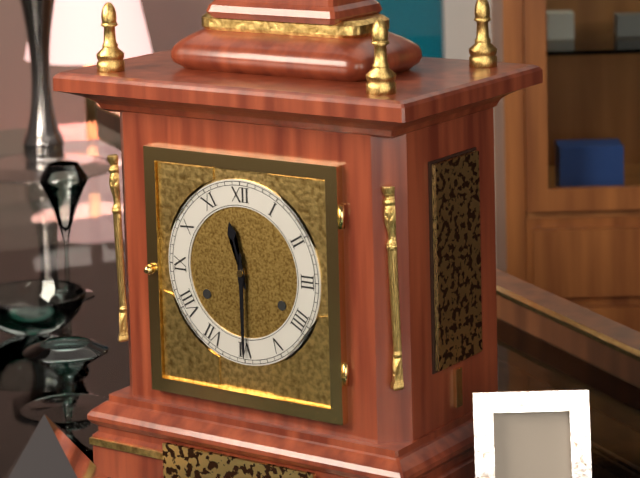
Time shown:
{"hour": 11, "minute": 30}
